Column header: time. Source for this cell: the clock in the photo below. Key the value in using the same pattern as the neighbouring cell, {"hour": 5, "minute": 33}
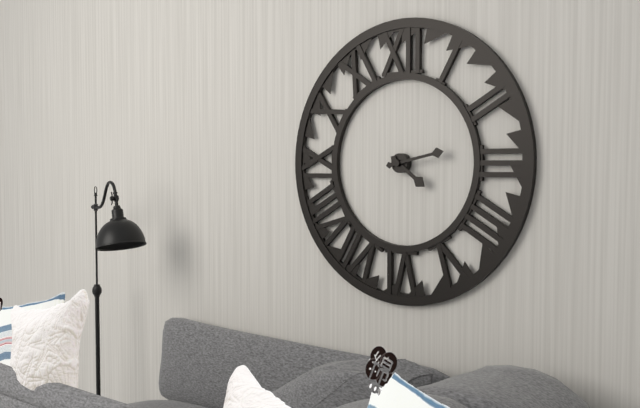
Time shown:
{"hour": 4, "minute": 13}
